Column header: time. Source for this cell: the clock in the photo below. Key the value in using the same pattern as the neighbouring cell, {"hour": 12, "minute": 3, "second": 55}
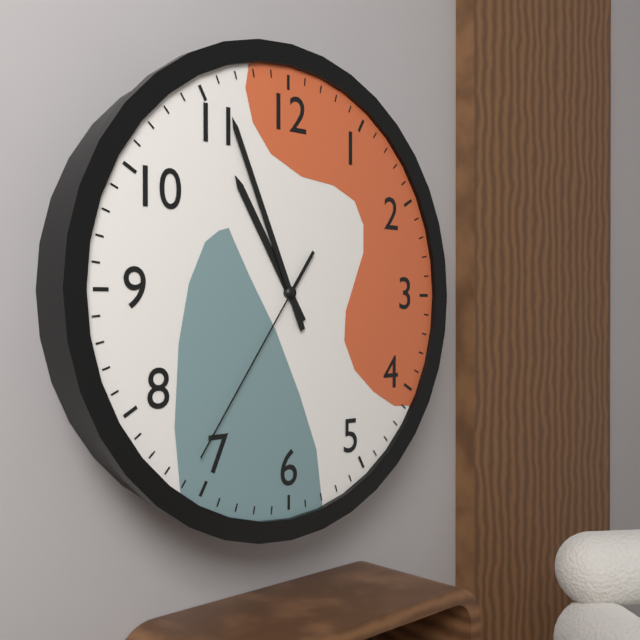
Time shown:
{"hour": 10, "minute": 56, "second": 36}
